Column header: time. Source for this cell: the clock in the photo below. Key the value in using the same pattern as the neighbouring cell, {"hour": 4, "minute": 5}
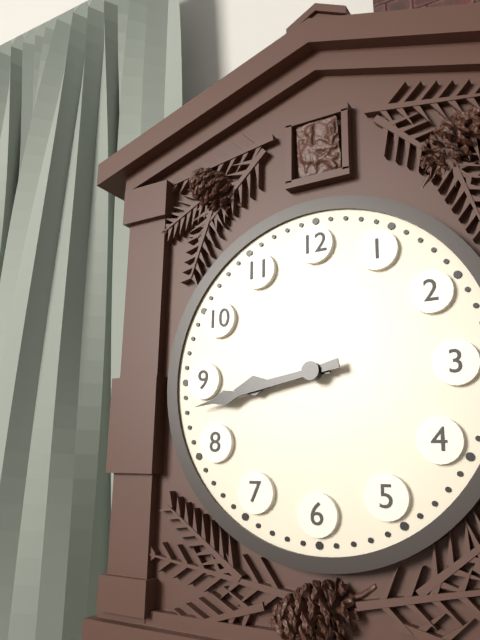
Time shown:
{"hour": 8, "minute": 43}
